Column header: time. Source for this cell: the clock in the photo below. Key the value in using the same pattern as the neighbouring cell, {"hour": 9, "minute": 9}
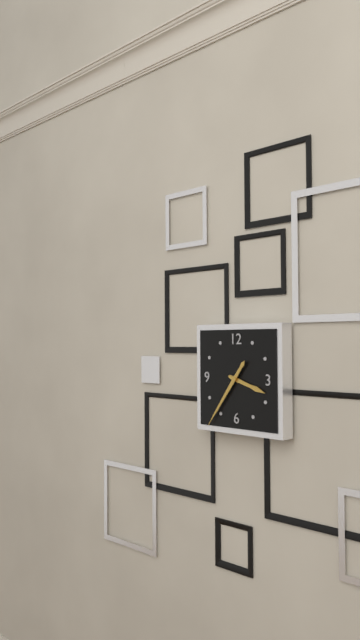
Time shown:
{"hour": 3, "minute": 36}
